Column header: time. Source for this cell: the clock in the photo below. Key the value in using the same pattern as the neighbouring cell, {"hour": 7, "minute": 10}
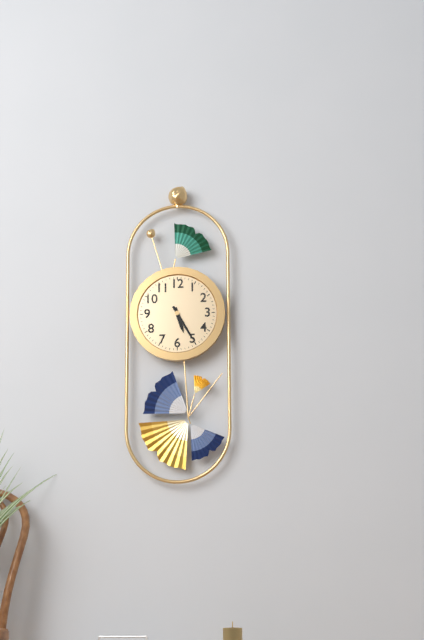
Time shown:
{"hour": 5, "minute": 25}
